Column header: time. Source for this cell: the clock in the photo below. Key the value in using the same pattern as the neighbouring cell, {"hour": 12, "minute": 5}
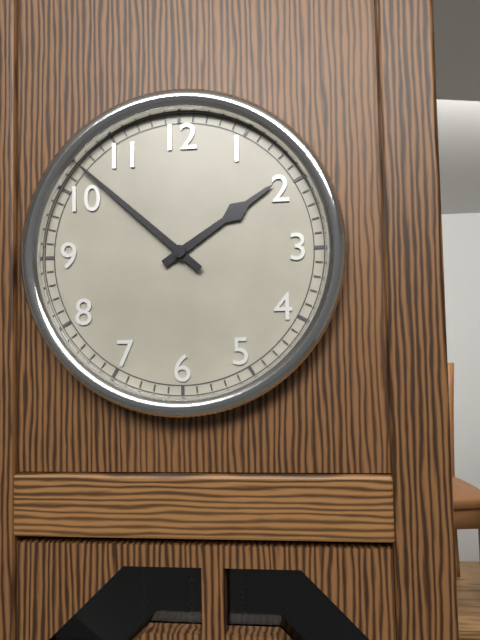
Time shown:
{"hour": 1, "minute": 52}
